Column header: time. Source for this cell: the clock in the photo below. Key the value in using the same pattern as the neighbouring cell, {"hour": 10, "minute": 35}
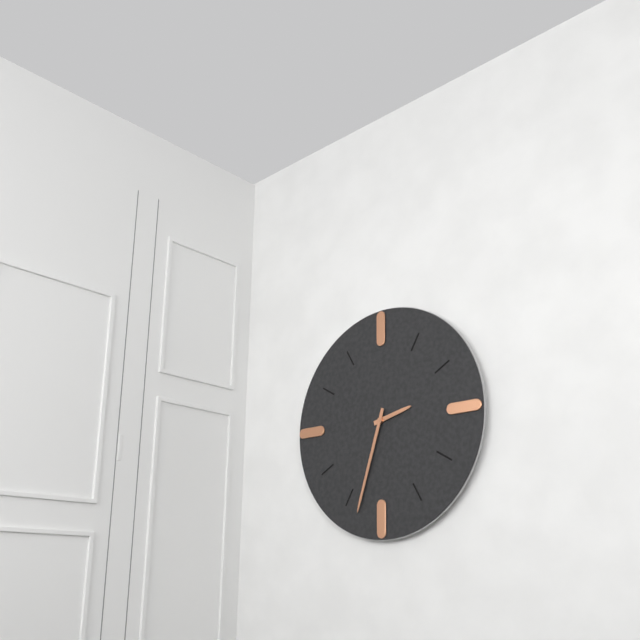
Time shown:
{"hour": 2, "minute": 33}
